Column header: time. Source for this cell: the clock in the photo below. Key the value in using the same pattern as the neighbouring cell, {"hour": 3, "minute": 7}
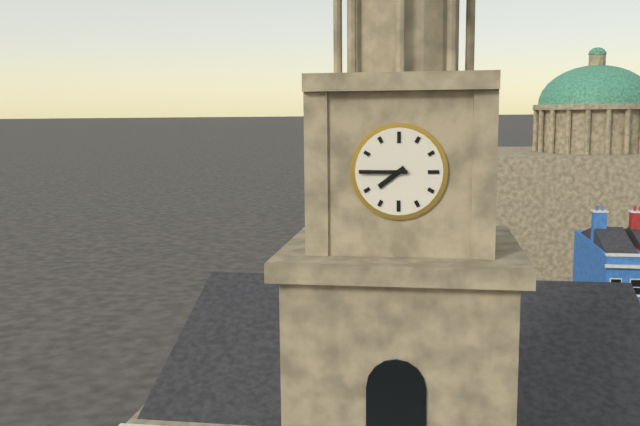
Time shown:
{"hour": 7, "minute": 45}
